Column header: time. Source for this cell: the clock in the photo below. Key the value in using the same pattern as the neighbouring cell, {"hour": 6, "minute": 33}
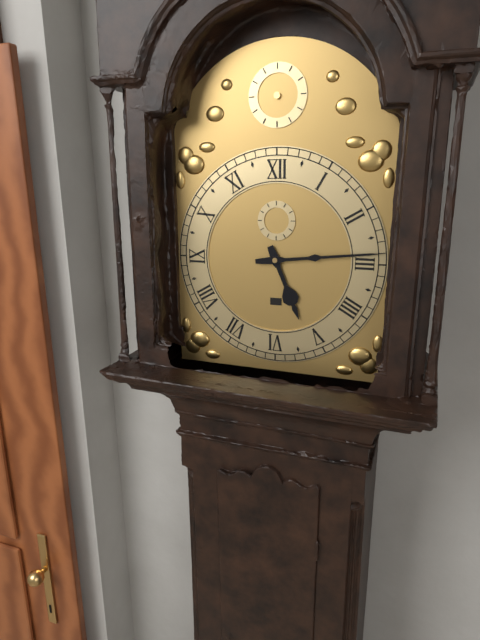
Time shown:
{"hour": 5, "minute": 14}
